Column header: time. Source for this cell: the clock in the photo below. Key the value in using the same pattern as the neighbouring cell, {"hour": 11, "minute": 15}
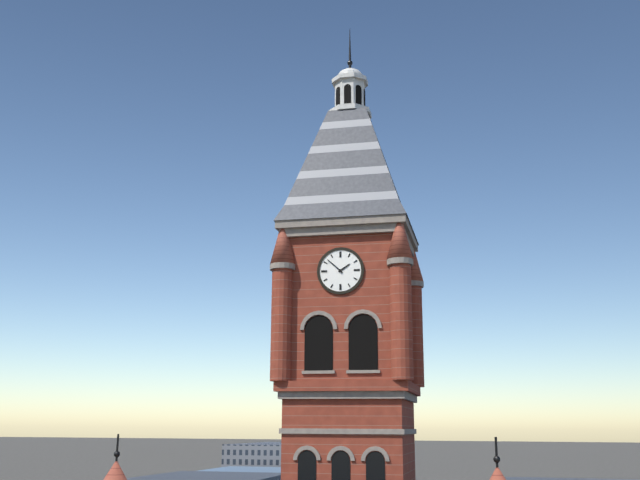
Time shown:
{"hour": 1, "minute": 52}
